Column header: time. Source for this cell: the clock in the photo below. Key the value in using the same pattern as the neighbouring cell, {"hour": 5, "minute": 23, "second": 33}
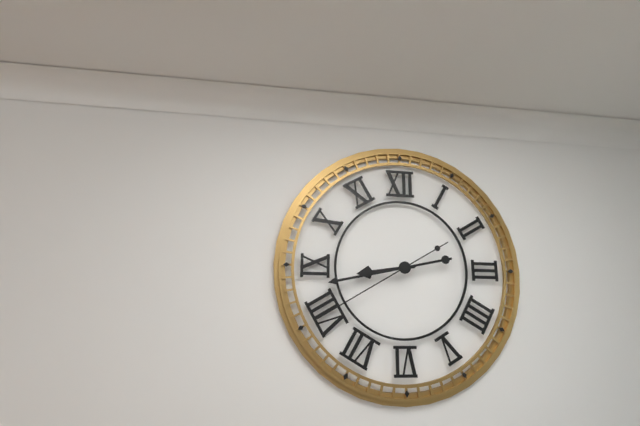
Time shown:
{"hour": 8, "minute": 43, "second": 40}
